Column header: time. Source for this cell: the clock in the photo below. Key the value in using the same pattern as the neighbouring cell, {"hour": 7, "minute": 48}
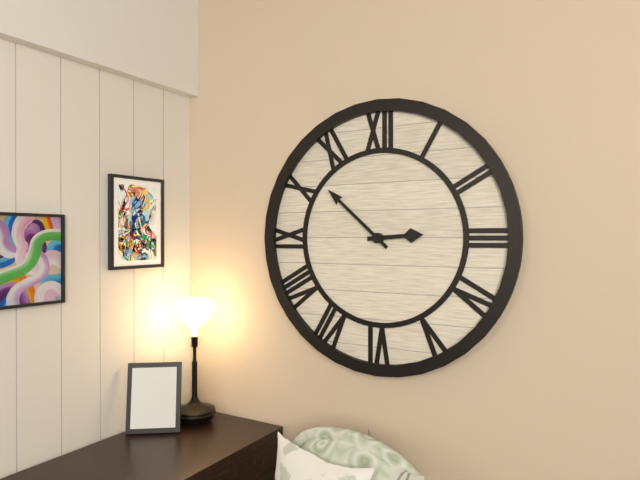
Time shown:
{"hour": 2, "minute": 52}
